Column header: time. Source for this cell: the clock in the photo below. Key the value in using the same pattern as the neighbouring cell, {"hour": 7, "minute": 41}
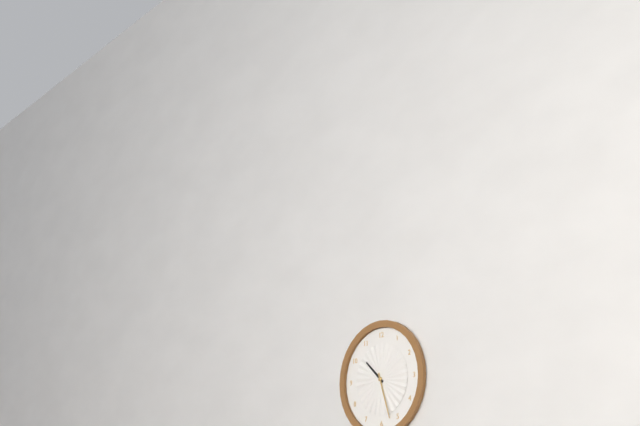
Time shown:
{"hour": 10, "minute": 27}
